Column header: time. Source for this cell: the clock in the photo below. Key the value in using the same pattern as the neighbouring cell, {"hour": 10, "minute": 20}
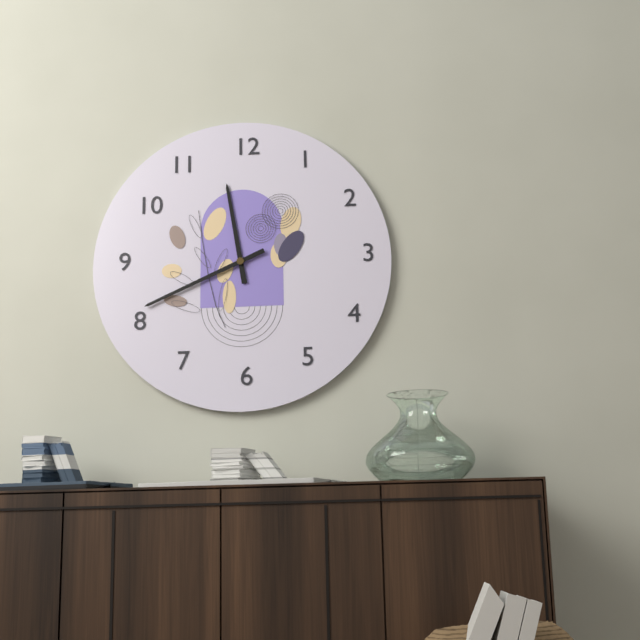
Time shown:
{"hour": 11, "minute": 41}
